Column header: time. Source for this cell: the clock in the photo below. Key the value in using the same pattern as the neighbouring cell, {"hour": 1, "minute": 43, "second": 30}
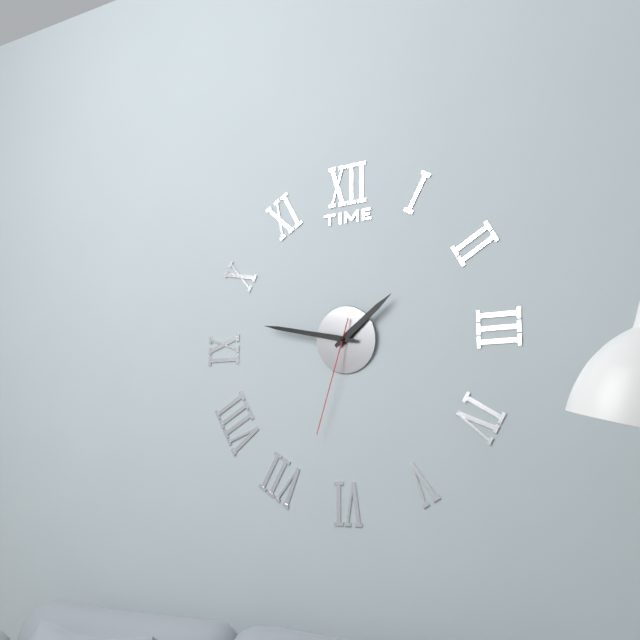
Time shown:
{"hour": 1, "minute": 47, "second": 33}
